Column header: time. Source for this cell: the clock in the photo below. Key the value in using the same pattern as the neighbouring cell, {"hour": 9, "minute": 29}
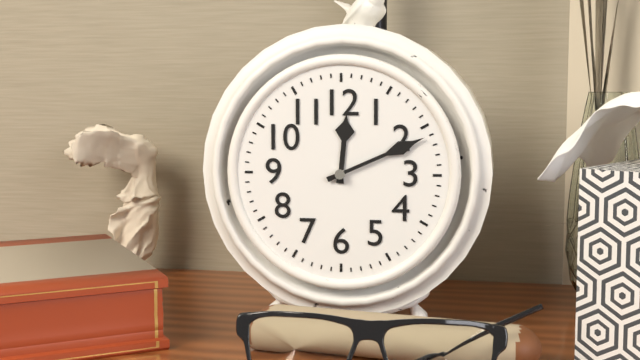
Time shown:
{"hour": 12, "minute": 11}
